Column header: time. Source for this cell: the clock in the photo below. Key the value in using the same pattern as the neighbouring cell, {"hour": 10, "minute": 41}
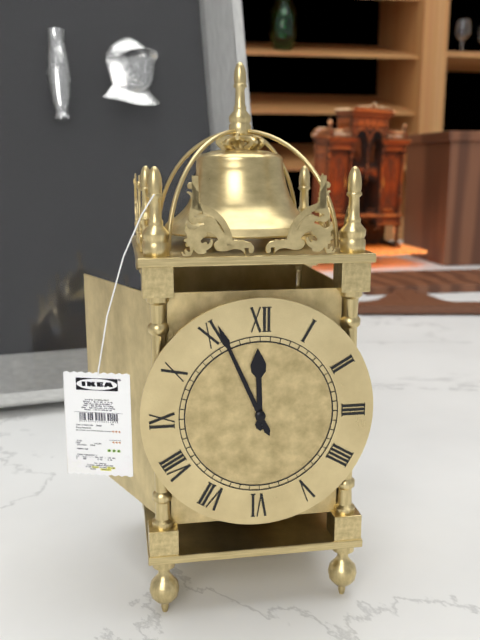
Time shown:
{"hour": 11, "minute": 56}
